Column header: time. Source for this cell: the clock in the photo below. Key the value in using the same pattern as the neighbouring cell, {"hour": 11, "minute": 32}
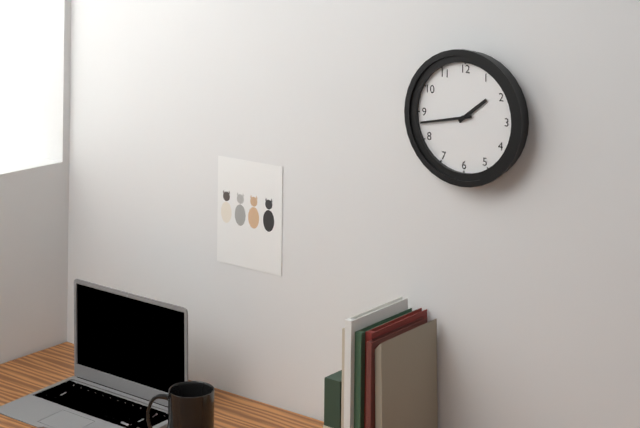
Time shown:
{"hour": 1, "minute": 43}
